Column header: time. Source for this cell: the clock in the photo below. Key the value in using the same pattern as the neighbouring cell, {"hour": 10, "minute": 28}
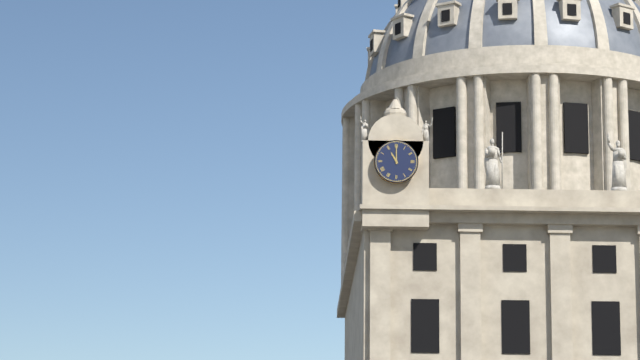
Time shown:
{"hour": 11, "minute": 0}
